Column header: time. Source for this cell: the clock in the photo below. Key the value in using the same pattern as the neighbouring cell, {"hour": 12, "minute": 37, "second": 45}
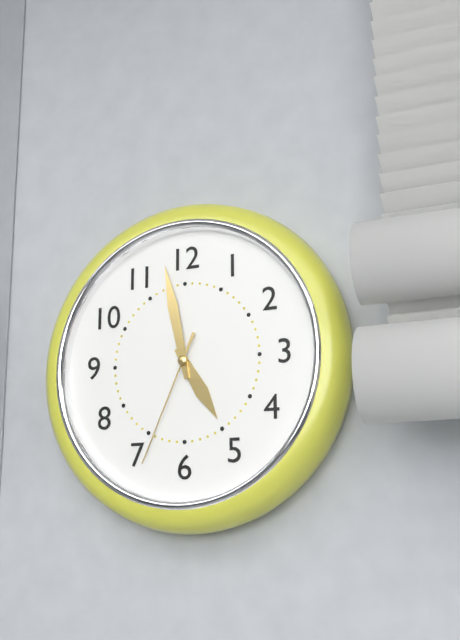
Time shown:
{"hour": 4, "minute": 58, "second": 34}
